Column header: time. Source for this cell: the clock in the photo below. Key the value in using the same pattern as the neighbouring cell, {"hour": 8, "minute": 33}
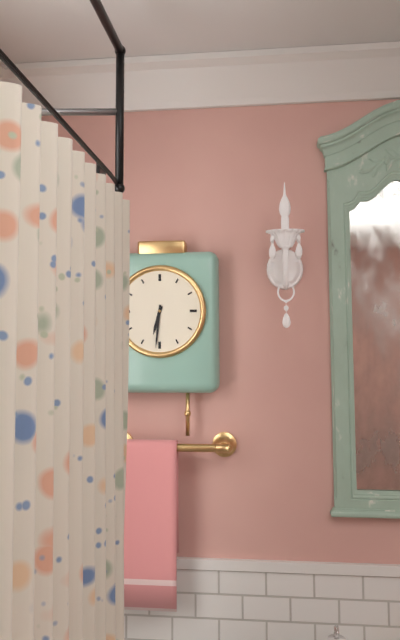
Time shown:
{"hour": 6, "minute": 31}
